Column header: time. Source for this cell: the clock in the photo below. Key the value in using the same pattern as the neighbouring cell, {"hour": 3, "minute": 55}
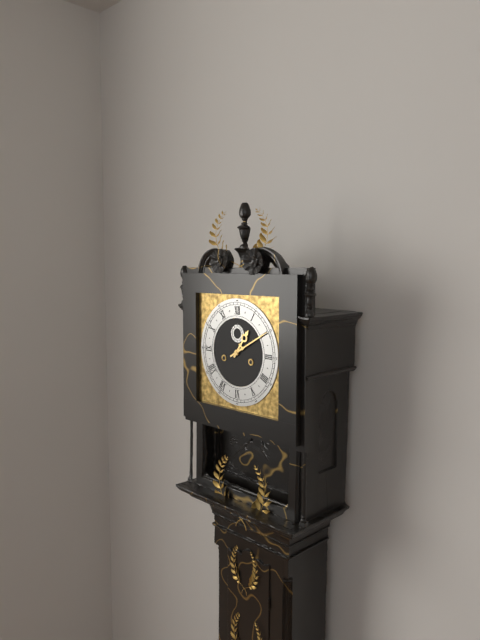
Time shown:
{"hour": 1, "minute": 10}
